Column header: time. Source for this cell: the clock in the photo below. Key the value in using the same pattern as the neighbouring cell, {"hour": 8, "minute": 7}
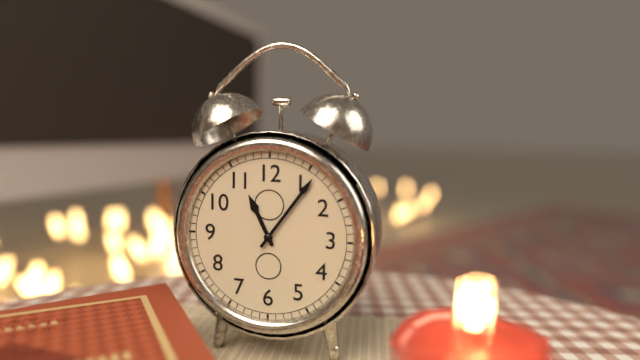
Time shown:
{"hour": 11, "minute": 6}
